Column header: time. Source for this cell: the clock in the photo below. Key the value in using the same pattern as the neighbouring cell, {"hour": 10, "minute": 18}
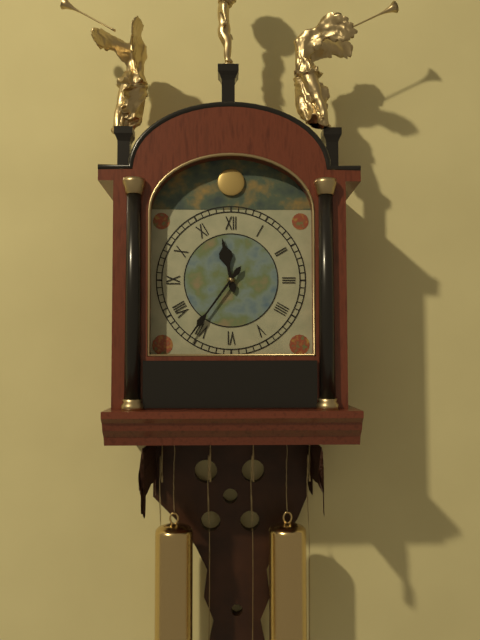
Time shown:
{"hour": 11, "minute": 36}
